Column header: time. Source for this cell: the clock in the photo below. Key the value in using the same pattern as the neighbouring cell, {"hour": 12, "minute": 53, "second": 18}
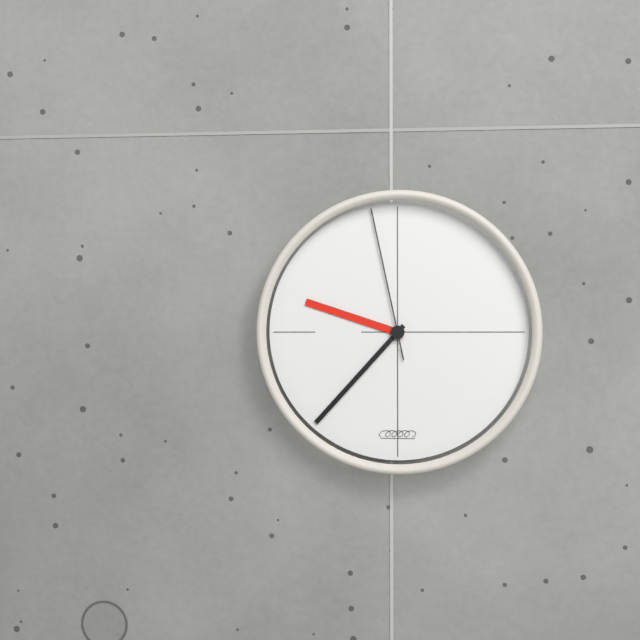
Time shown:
{"hour": 9, "minute": 37, "second": 58}
